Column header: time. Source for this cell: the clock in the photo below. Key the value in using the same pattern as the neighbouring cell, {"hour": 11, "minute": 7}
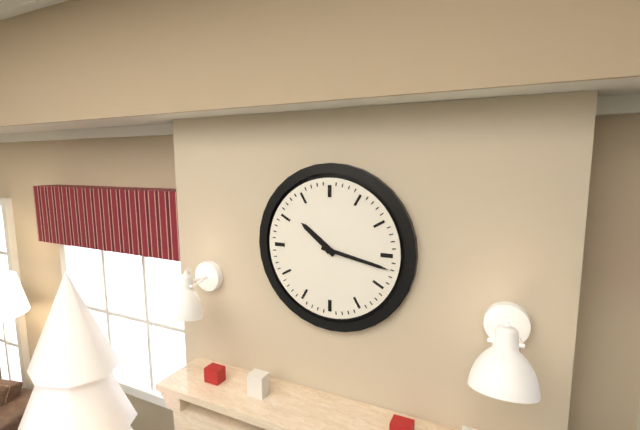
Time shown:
{"hour": 10, "minute": 17}
